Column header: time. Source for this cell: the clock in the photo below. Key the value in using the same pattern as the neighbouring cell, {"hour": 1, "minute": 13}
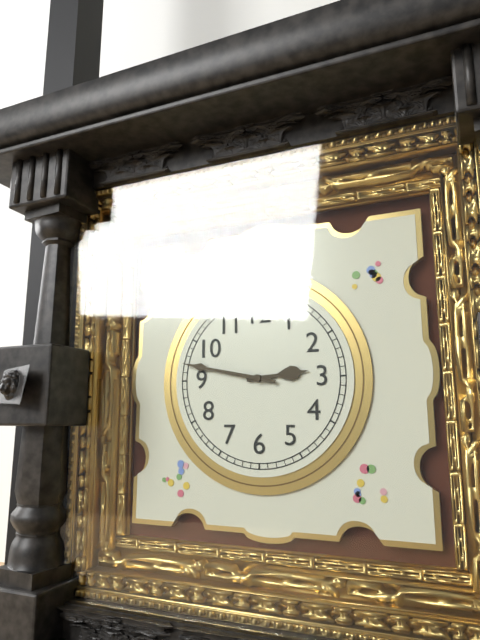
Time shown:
{"hour": 2, "minute": 47}
